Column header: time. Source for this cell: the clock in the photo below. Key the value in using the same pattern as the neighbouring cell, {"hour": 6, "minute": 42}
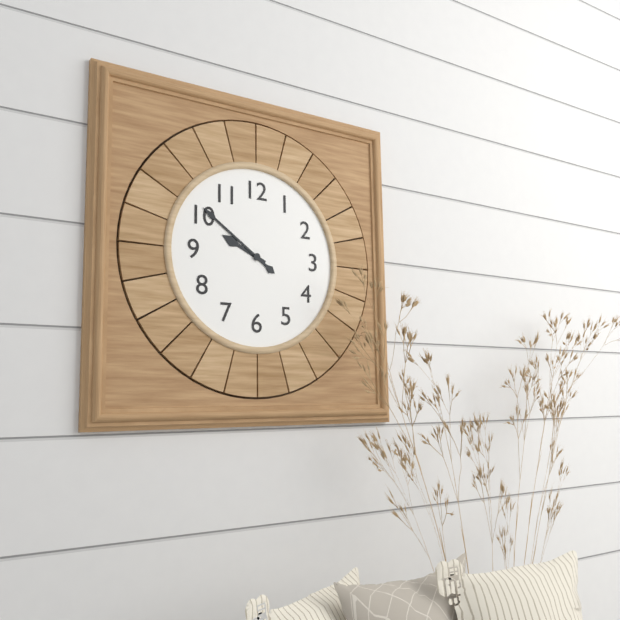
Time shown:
{"hour": 9, "minute": 51}
